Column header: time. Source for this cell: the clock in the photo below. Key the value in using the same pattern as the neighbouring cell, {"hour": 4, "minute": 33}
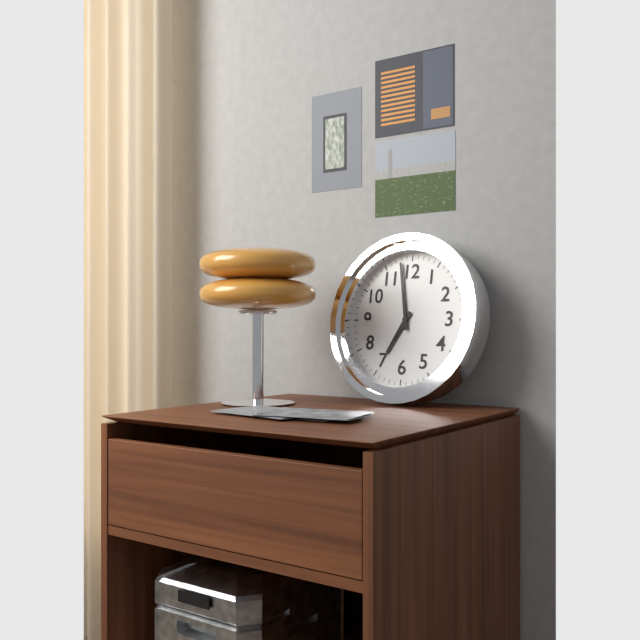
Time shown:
{"hour": 6, "minute": 58}
